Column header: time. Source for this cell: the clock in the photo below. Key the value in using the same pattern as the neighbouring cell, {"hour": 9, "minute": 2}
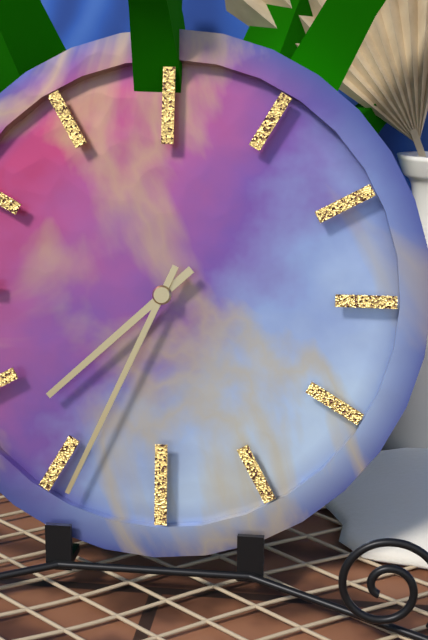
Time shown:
{"hour": 7, "minute": 34}
